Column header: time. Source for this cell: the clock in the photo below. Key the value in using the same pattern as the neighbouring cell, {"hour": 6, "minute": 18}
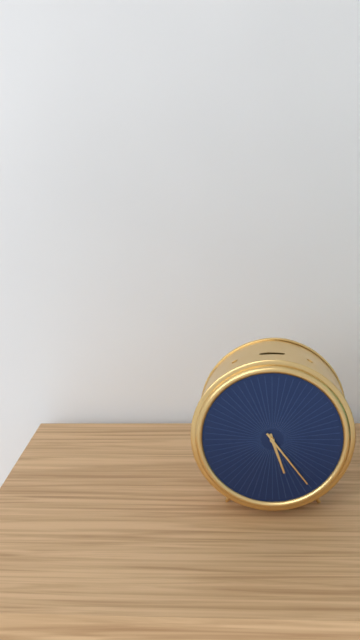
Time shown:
{"hour": 5, "minute": 24}
